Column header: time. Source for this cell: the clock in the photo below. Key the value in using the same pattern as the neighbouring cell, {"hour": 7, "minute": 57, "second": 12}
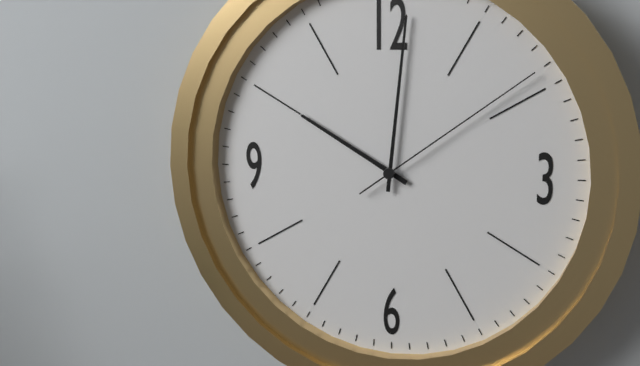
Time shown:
{"hour": 10, "minute": 1, "second": 9}
